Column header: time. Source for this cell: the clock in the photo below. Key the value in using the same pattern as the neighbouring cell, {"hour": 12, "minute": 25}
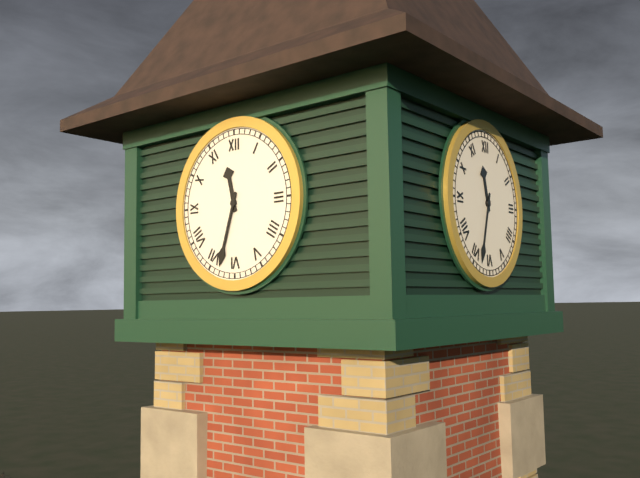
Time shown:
{"hour": 11, "minute": 33}
